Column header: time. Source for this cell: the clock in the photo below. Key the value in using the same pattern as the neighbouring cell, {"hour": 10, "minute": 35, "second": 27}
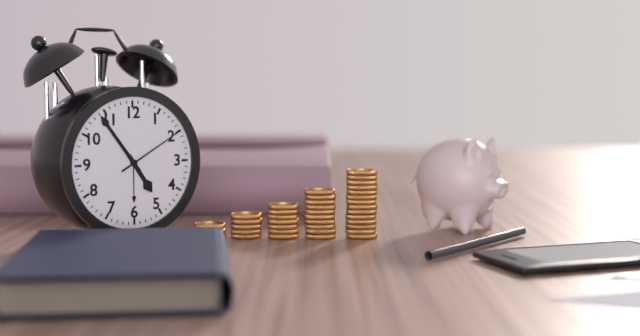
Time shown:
{"hour": 4, "minute": 54, "second": 10}
